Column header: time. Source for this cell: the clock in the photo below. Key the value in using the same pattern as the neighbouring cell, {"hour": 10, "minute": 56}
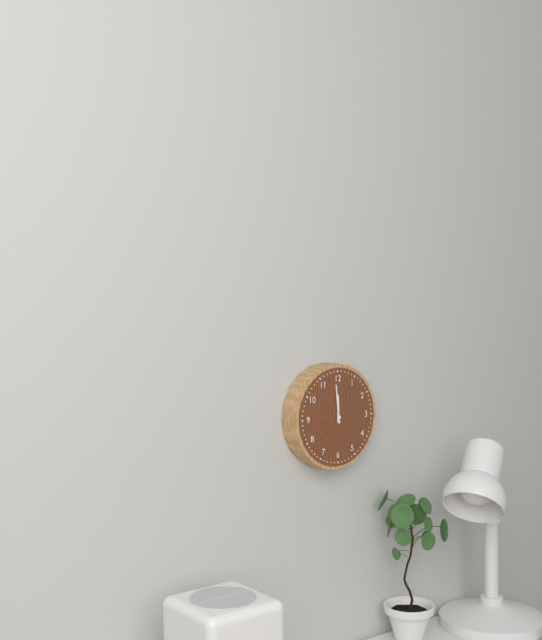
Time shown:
{"hour": 11, "minute": 59}
